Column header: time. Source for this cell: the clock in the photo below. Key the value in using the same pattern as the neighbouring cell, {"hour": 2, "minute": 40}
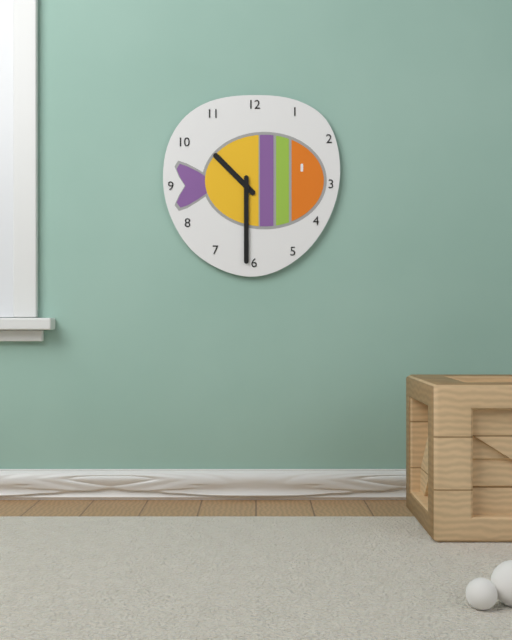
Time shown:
{"hour": 10, "minute": 30}
